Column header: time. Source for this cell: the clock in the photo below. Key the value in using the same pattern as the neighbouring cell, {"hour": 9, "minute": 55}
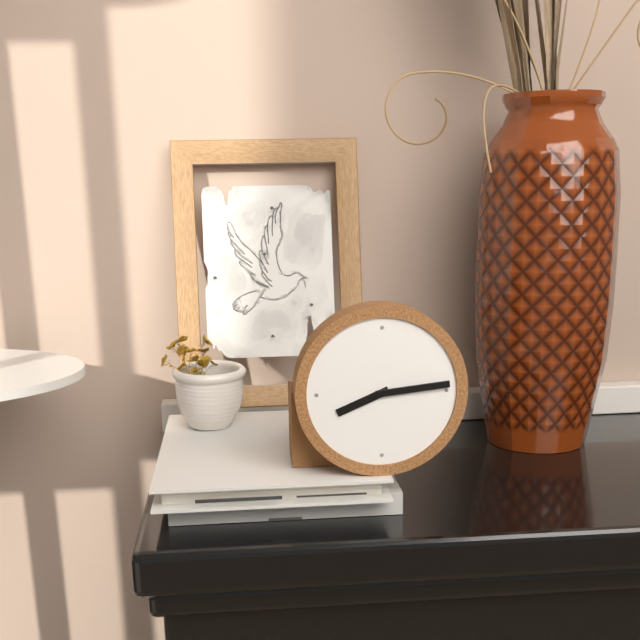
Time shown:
{"hour": 8, "minute": 14}
